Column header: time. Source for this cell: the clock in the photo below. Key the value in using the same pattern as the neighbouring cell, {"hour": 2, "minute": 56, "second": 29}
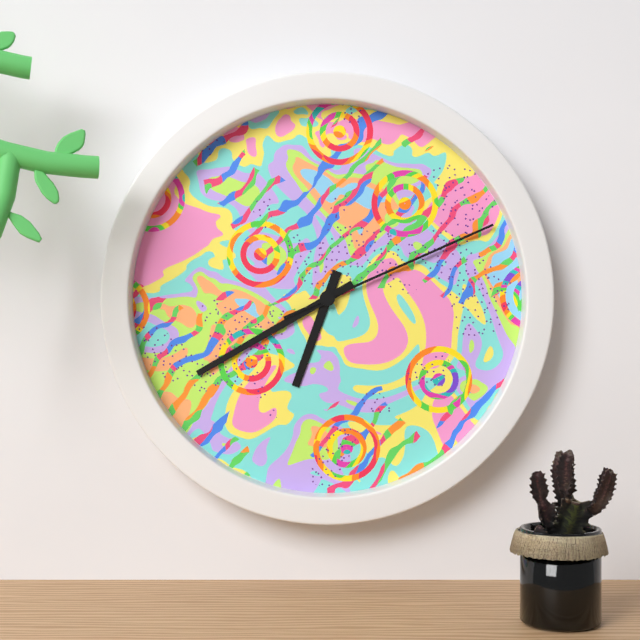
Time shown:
{"hour": 6, "minute": 40, "second": 11}
